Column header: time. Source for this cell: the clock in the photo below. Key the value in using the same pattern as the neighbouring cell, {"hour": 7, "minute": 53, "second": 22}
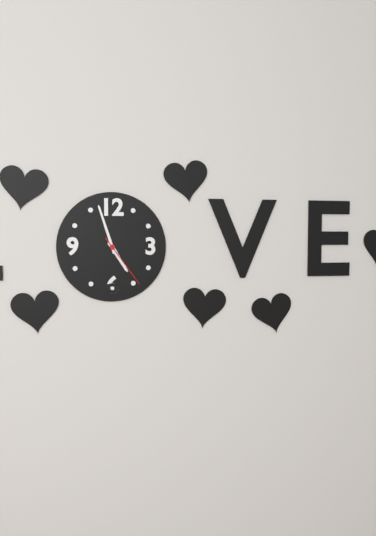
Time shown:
{"hour": 4, "minute": 57, "second": 24}
